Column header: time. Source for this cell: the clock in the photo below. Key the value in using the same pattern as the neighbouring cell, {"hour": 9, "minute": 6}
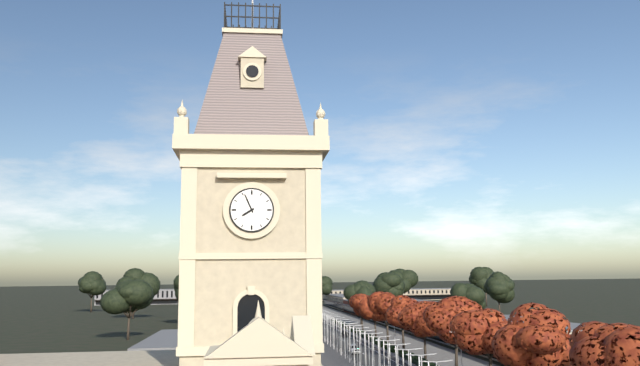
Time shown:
{"hour": 7, "minute": 56}
